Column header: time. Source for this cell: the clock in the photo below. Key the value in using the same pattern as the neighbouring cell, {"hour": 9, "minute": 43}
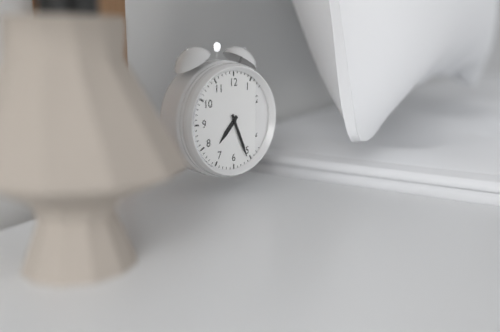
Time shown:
{"hour": 7, "minute": 26}
